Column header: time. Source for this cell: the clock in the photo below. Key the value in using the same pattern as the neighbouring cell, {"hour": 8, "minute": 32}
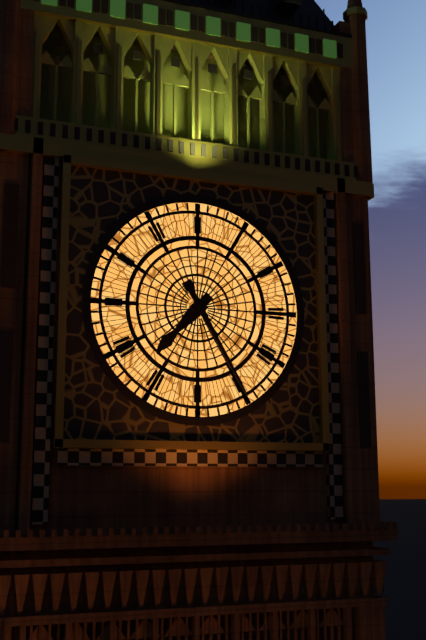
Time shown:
{"hour": 7, "minute": 25}
